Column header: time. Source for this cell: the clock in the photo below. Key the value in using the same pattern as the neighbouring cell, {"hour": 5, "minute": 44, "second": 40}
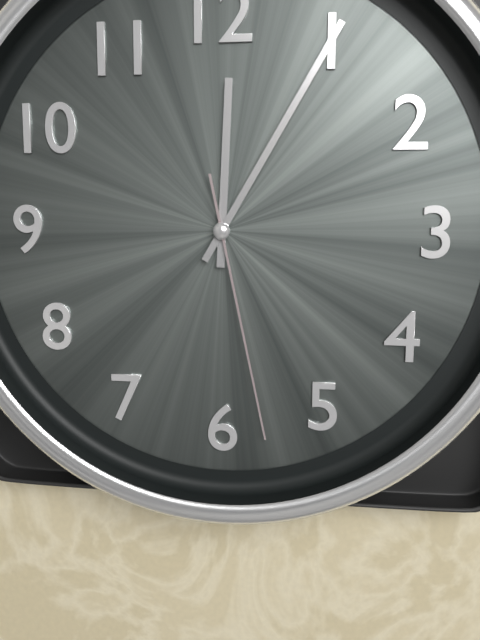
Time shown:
{"hour": 12, "minute": 5, "second": 28}
